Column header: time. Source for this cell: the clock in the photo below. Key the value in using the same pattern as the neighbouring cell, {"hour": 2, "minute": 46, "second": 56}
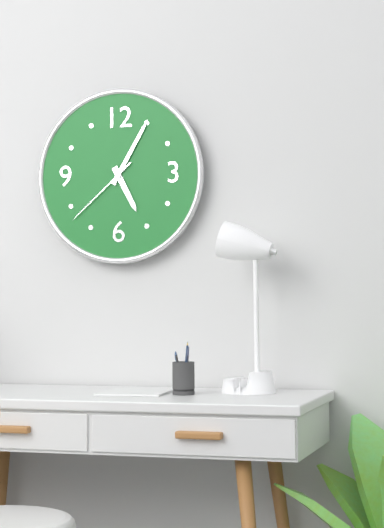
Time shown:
{"hour": 5, "minute": 5, "second": 38}
